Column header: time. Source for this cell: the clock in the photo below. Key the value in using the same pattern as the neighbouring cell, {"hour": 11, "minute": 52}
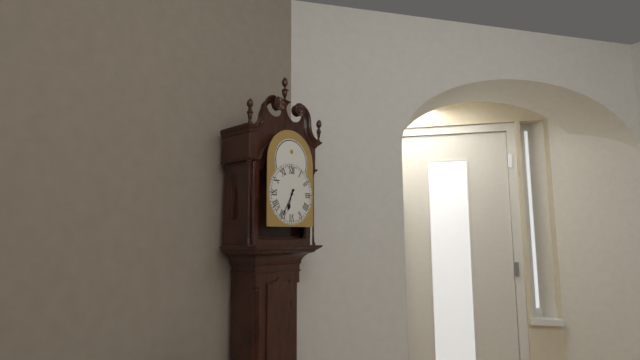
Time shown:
{"hour": 6, "minute": 35}
